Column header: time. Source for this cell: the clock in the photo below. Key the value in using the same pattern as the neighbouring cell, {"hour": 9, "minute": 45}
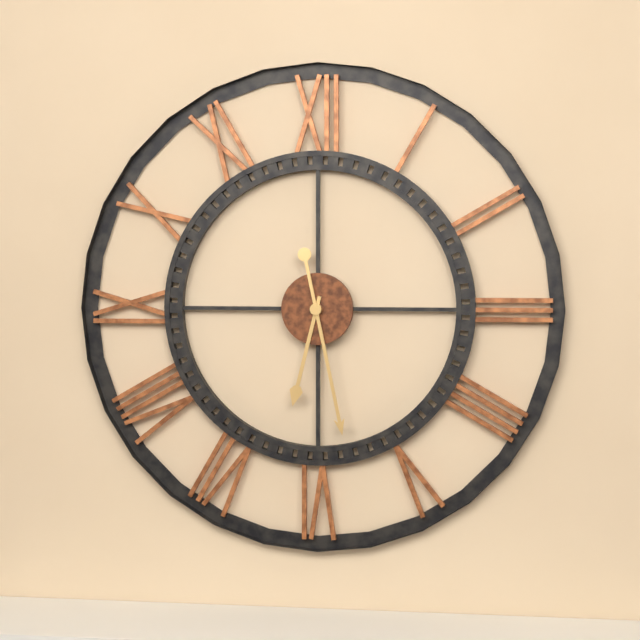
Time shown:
{"hour": 6, "minute": 28}
